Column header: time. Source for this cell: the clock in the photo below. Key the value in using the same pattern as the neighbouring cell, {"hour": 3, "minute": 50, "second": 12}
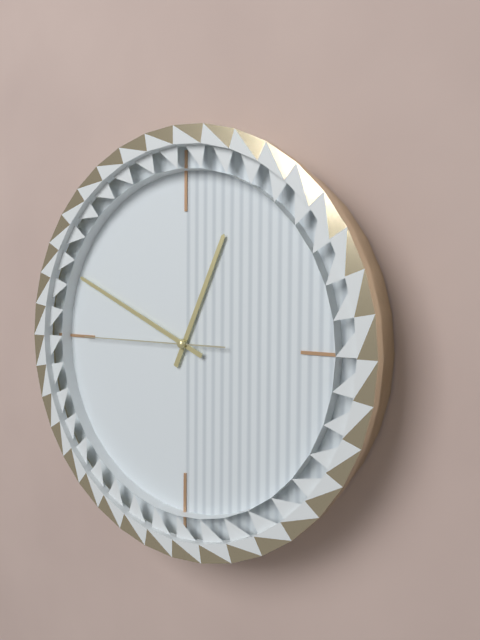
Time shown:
{"hour": 12, "minute": 49, "second": 45}
